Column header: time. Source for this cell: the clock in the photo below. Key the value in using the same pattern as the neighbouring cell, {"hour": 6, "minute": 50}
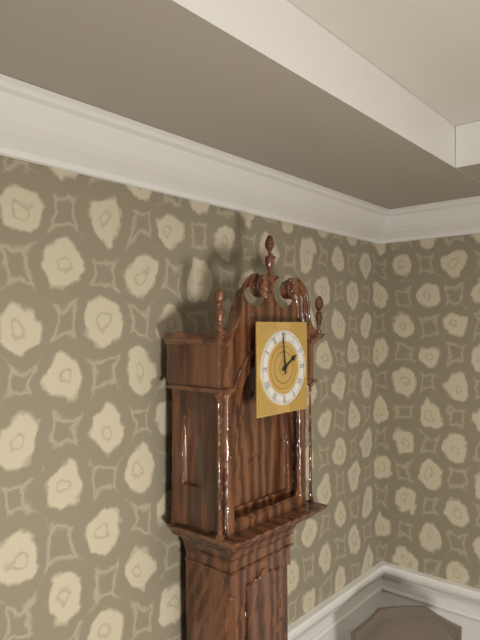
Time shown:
{"hour": 1, "minute": 59}
